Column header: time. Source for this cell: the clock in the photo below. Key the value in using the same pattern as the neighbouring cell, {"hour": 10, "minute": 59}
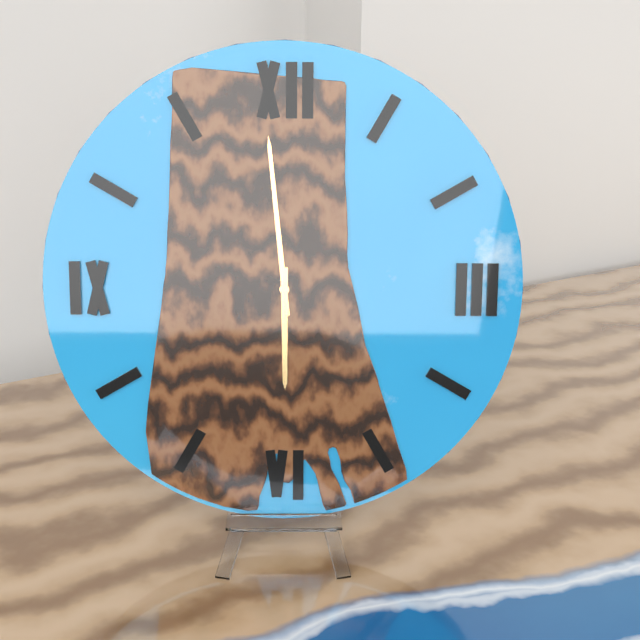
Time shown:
{"hour": 5, "minute": 59}
